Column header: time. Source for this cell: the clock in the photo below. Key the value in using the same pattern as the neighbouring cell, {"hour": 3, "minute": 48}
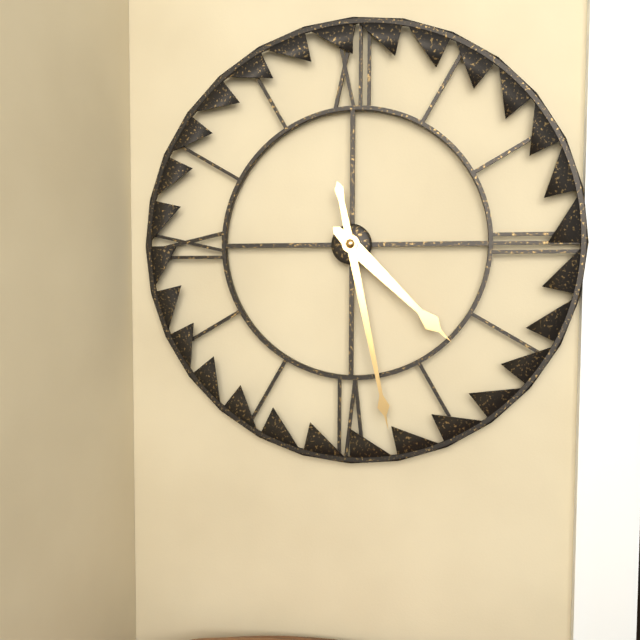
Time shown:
{"hour": 4, "minute": 28}
